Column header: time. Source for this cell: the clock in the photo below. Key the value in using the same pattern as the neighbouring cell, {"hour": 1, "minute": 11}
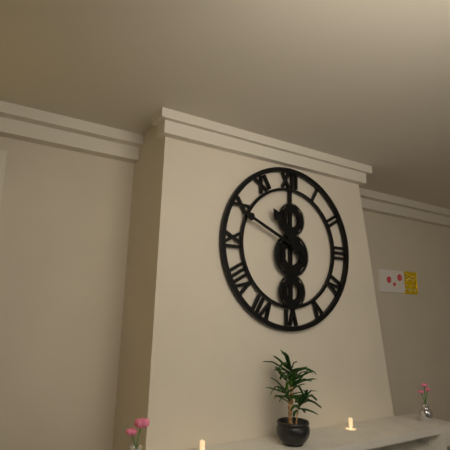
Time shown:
{"hour": 10, "minute": 49}
